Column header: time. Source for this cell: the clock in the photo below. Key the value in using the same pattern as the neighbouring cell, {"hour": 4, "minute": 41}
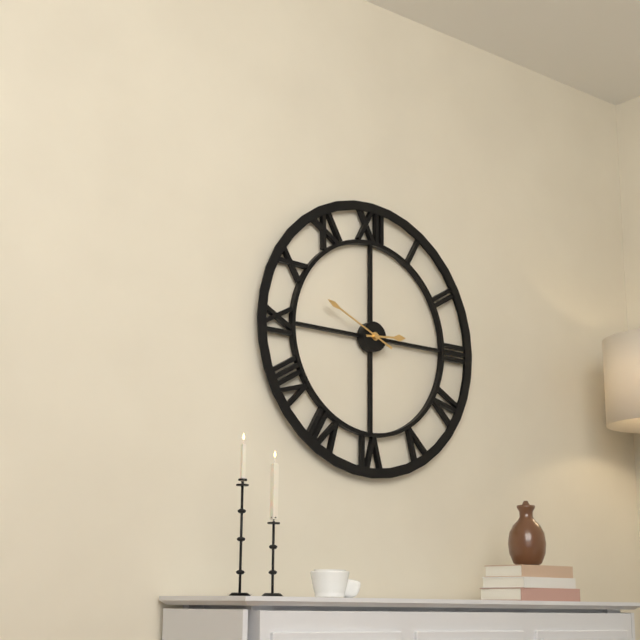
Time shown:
{"hour": 2, "minute": 49}
